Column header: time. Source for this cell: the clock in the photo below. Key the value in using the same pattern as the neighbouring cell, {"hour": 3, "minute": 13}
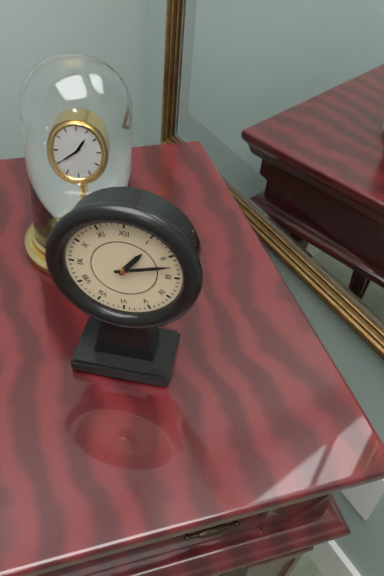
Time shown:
{"hour": 1, "minute": 12}
